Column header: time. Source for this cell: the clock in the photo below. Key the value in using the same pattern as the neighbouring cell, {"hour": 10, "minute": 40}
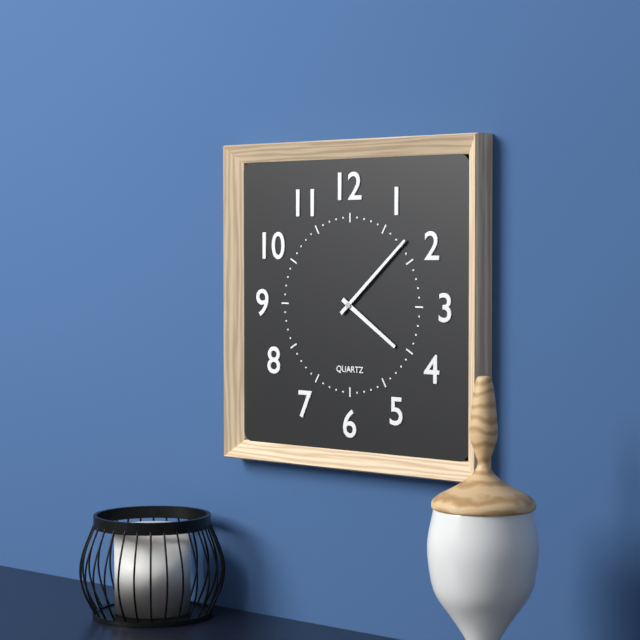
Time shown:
{"hour": 4, "minute": 8}
